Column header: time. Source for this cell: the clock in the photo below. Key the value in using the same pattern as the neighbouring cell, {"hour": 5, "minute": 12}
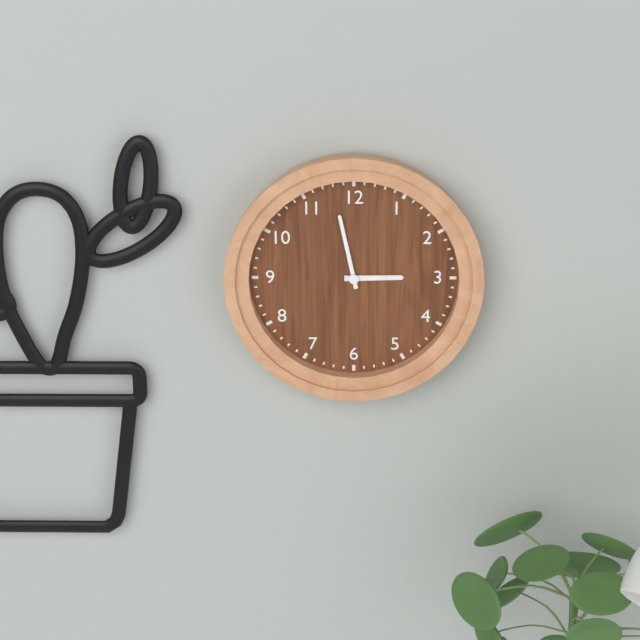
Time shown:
{"hour": 2, "minute": 58}
